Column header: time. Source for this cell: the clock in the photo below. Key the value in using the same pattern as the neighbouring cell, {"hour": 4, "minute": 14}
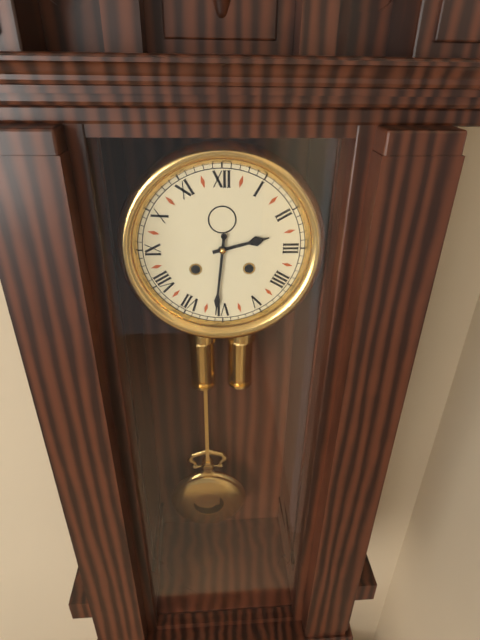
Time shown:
{"hour": 2, "minute": 31}
